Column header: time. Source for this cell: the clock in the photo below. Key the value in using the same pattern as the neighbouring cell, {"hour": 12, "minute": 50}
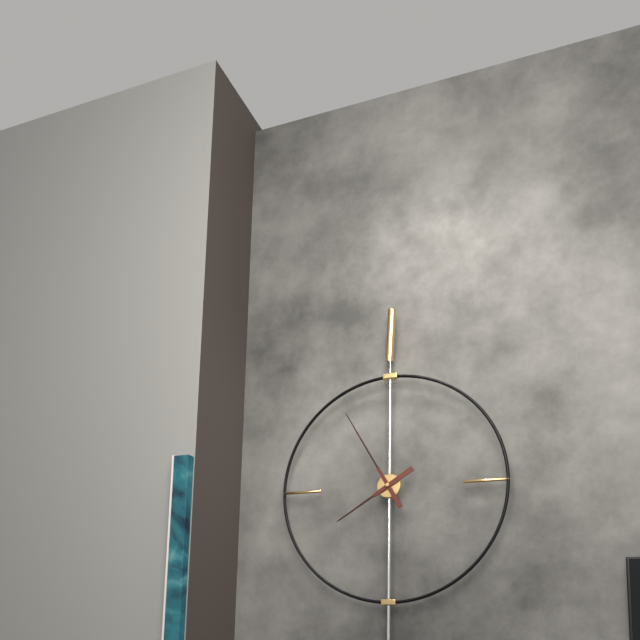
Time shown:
{"hour": 7, "minute": 55}
